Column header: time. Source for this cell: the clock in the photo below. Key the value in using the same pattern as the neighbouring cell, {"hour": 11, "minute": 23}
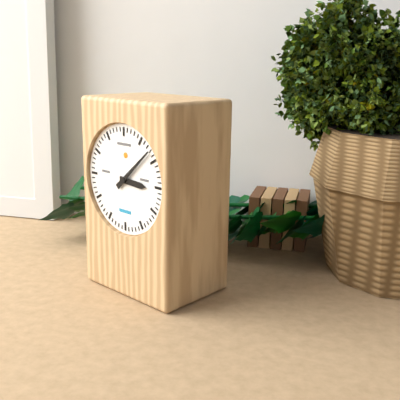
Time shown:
{"hour": 3, "minute": 8}
